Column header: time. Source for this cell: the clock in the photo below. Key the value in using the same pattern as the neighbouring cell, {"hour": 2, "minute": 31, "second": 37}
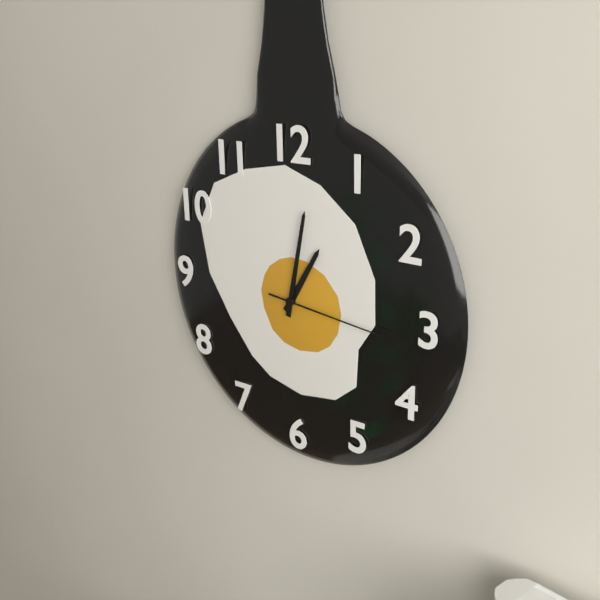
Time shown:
{"hour": 1, "minute": 2, "second": 16}
